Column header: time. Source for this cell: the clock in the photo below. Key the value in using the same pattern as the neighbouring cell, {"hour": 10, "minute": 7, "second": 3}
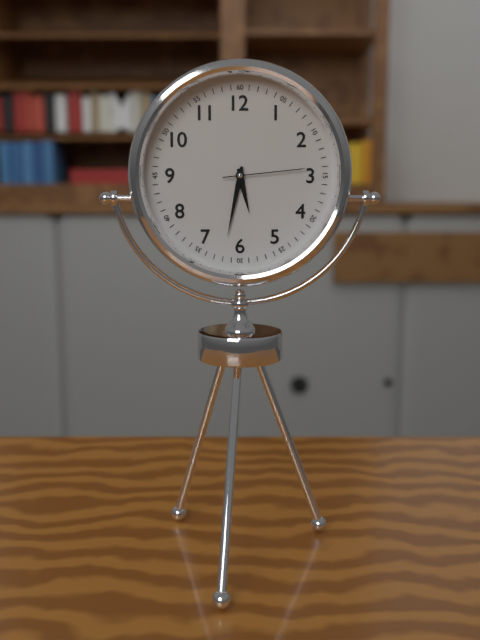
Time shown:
{"hour": 5, "minute": 32, "second": 14}
